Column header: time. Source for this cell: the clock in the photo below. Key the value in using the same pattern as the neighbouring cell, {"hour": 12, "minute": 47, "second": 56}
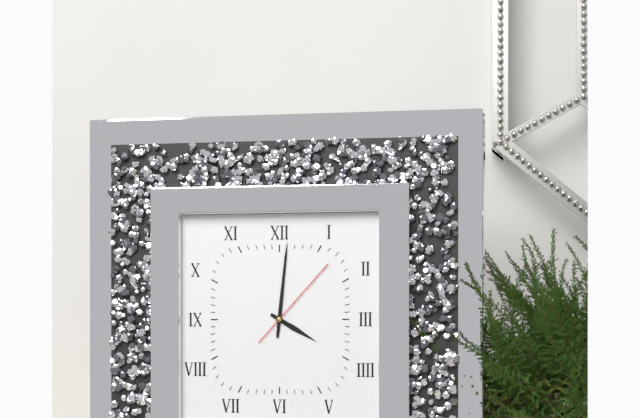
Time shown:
{"hour": 4, "minute": 1, "second": 7}
